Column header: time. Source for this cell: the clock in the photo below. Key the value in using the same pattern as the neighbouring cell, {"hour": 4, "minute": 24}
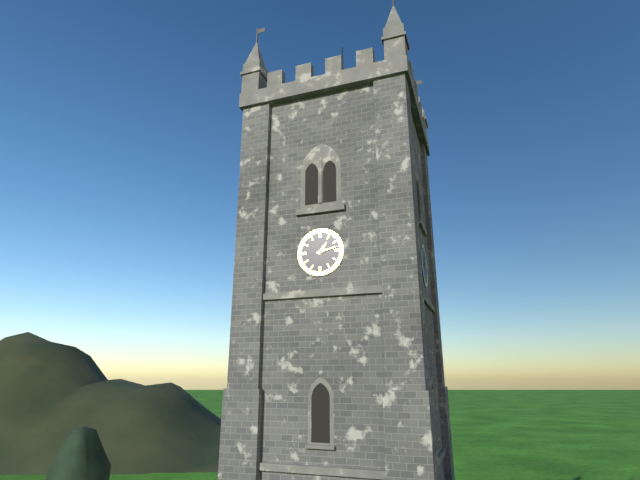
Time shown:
{"hour": 1, "minute": 13}
